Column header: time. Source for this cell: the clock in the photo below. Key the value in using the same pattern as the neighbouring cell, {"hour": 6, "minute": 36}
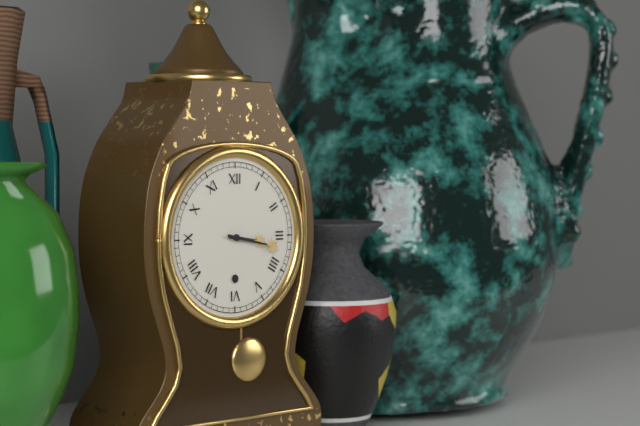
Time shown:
{"hour": 3, "minute": 17}
